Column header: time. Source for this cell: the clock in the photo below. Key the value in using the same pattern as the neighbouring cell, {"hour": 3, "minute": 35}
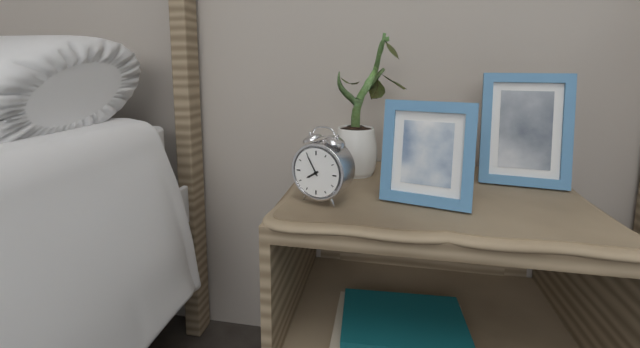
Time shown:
{"hour": 7, "minute": 55}
